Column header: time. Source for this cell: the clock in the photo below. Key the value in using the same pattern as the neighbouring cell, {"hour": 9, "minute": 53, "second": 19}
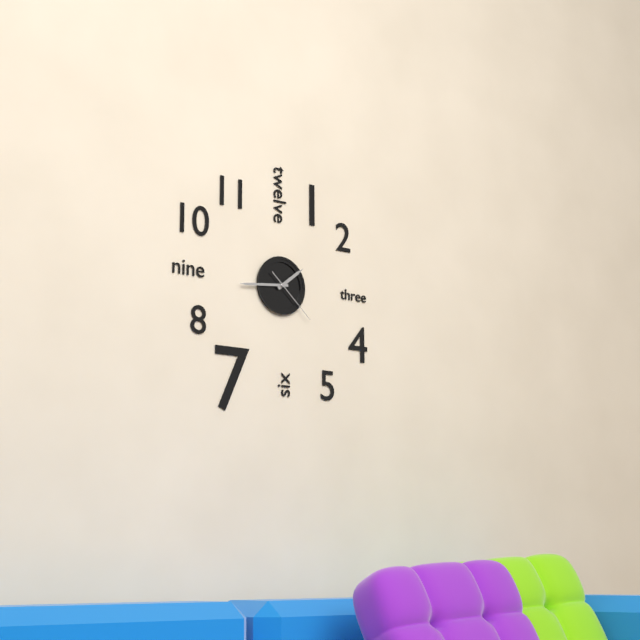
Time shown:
{"hour": 1, "minute": 44, "second": 22}
